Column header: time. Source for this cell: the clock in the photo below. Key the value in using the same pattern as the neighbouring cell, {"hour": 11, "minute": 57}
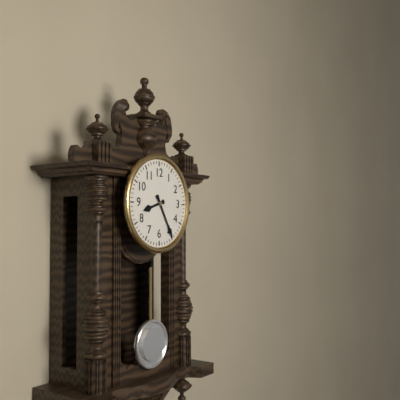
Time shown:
{"hour": 8, "minute": 25}
